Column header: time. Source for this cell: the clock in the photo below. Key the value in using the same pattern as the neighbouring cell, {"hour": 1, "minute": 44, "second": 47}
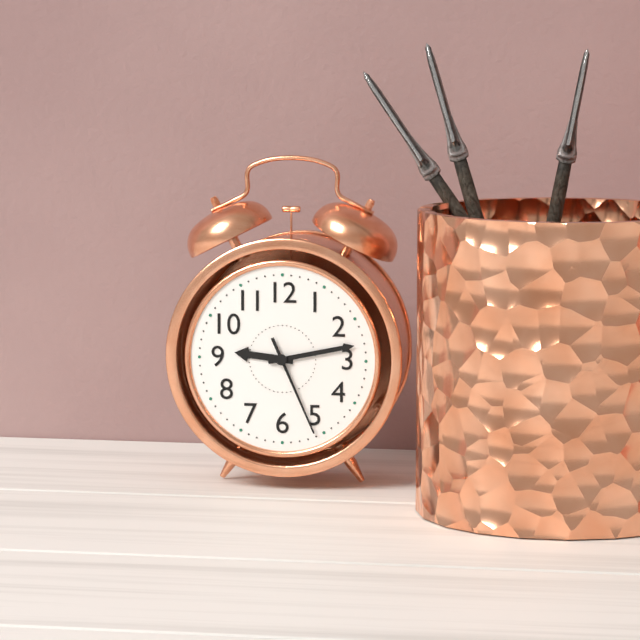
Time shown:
{"hour": 9, "minute": 13, "second": 26}
